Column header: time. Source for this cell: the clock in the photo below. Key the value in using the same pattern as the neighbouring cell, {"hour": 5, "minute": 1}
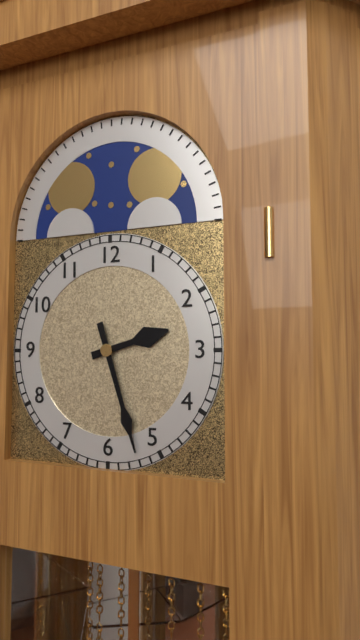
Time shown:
{"hour": 2, "minute": 27}
